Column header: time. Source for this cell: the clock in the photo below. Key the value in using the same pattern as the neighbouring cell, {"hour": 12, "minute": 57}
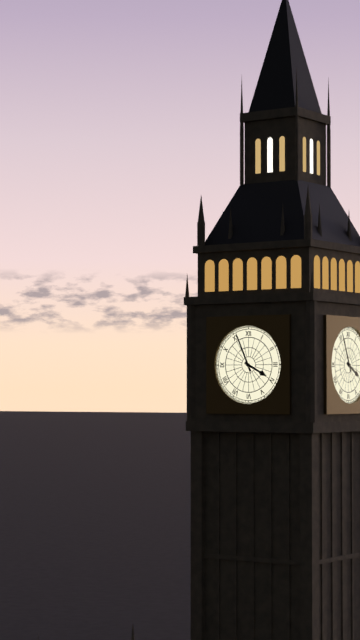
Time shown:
{"hour": 3, "minute": 56}
